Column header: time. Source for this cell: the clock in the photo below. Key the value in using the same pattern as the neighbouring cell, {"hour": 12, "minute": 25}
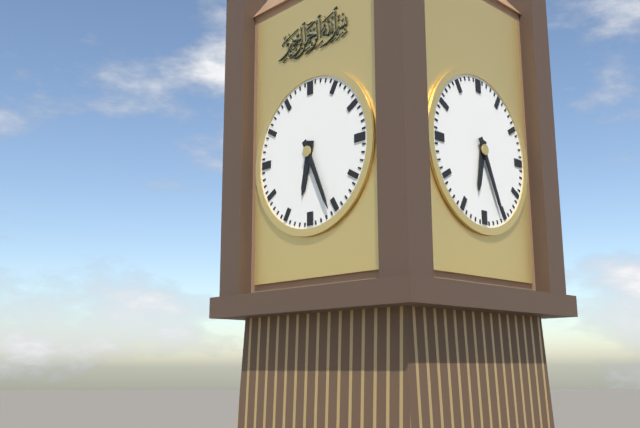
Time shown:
{"hour": 6, "minute": 26}
